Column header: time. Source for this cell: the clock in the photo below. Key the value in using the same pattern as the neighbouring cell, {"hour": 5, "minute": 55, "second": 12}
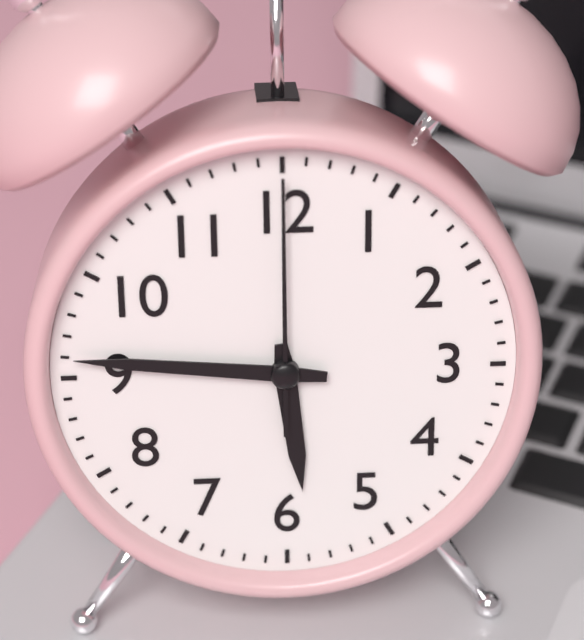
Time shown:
{"hour": 5, "minute": 46, "second": 0}
